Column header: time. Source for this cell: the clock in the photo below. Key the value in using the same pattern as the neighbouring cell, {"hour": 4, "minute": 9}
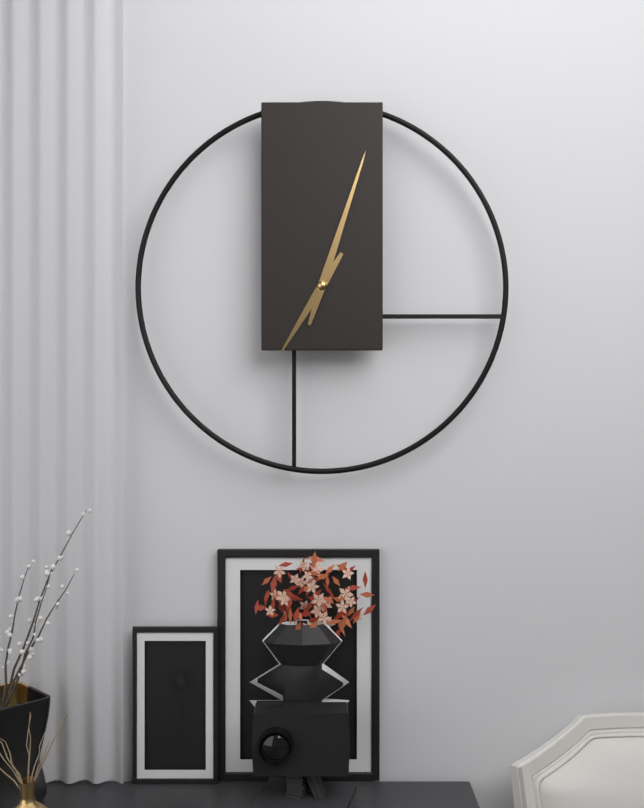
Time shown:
{"hour": 7, "minute": 3}
